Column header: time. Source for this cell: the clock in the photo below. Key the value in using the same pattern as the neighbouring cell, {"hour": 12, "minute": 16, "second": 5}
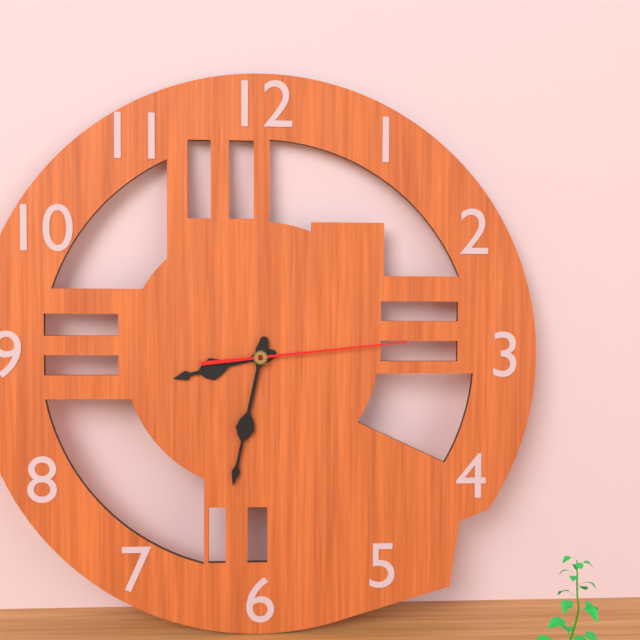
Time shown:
{"hour": 8, "minute": 32, "second": 14}
